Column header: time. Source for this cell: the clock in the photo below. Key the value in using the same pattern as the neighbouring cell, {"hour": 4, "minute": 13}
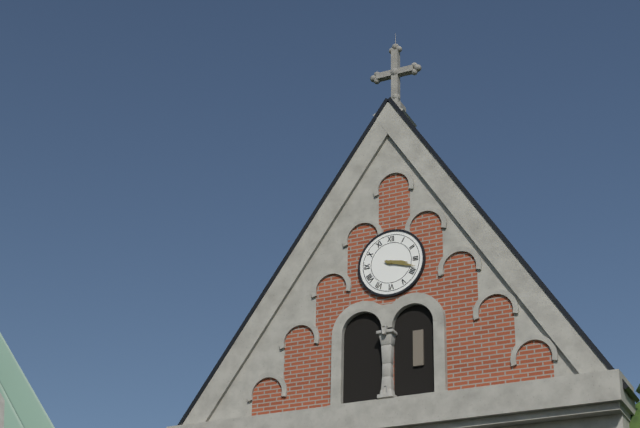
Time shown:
{"hour": 3, "minute": 18}
